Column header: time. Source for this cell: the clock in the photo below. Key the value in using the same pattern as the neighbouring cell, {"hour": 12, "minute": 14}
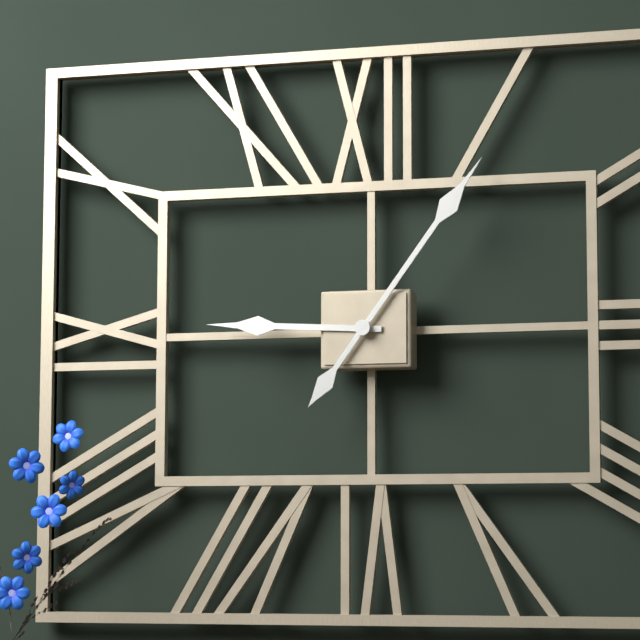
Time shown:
{"hour": 9, "minute": 6}
